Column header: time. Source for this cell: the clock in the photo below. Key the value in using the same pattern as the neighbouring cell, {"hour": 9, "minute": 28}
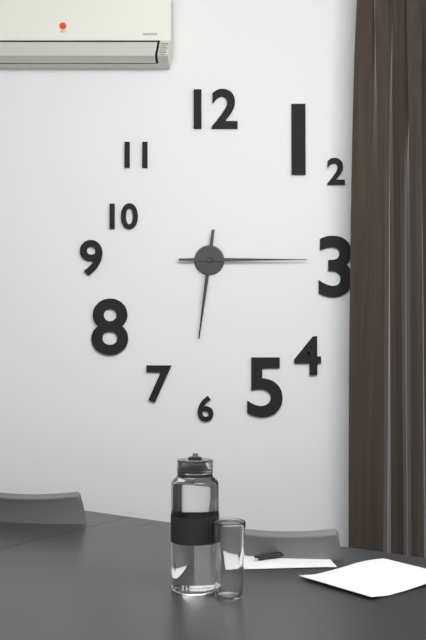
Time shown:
{"hour": 6, "minute": 15}
